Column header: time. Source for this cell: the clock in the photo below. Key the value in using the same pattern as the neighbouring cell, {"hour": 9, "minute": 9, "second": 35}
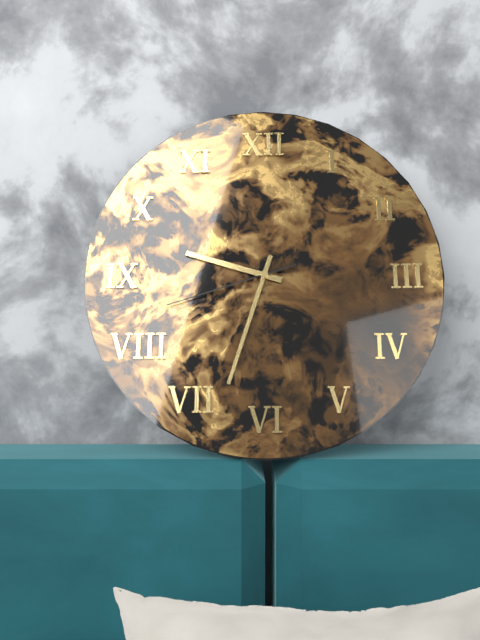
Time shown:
{"hour": 9, "minute": 33, "second": 42}
